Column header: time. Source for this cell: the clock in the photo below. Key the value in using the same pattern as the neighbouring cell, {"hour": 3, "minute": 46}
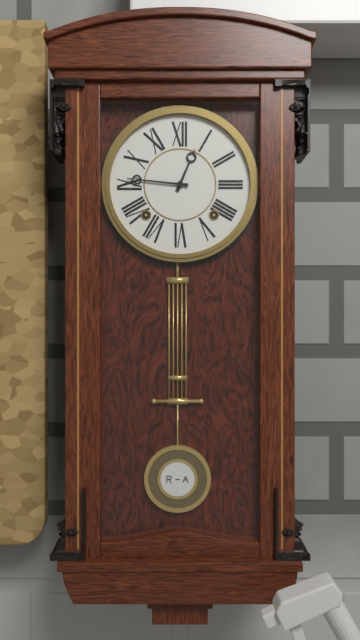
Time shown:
{"hour": 12, "minute": 46}
